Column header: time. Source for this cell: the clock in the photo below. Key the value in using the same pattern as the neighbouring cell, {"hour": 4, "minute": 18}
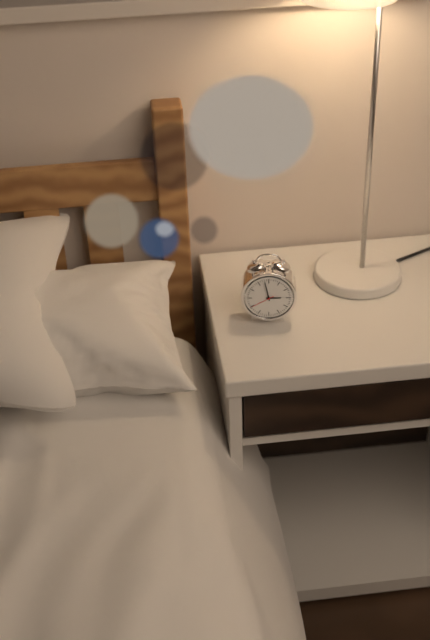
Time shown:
{"hour": 2, "minute": 58}
